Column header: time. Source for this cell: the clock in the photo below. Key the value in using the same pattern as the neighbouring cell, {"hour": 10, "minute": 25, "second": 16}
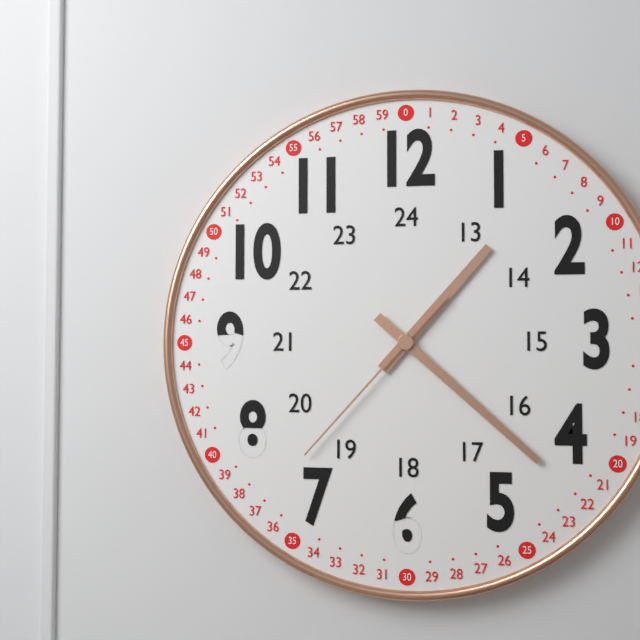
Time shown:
{"hour": 1, "minute": 22, "second": 37}
